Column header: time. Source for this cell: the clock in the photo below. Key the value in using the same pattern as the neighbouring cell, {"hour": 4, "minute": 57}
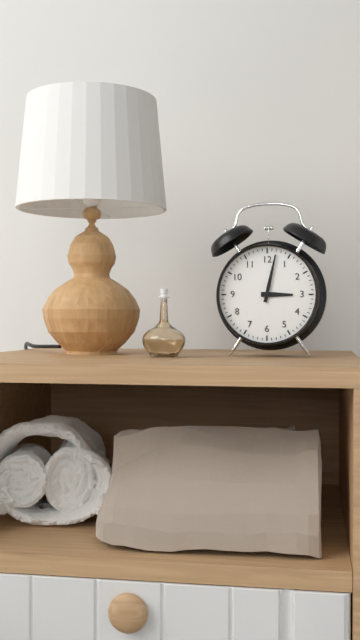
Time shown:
{"hour": 3, "minute": 2}
